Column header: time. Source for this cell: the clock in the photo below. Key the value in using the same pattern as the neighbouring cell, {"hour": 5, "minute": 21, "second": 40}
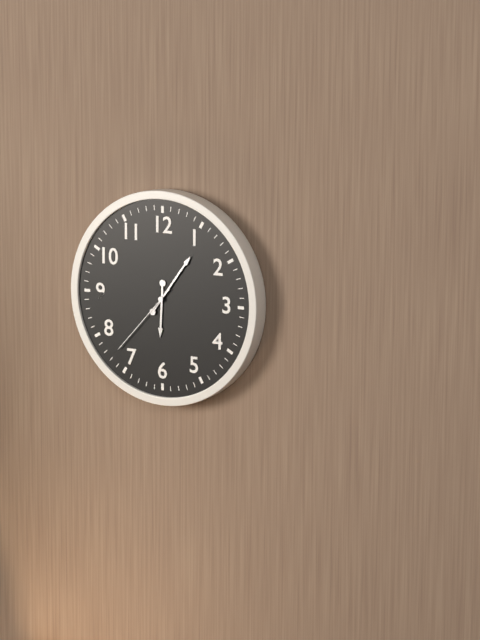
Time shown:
{"hour": 6, "minute": 6, "second": 37}
